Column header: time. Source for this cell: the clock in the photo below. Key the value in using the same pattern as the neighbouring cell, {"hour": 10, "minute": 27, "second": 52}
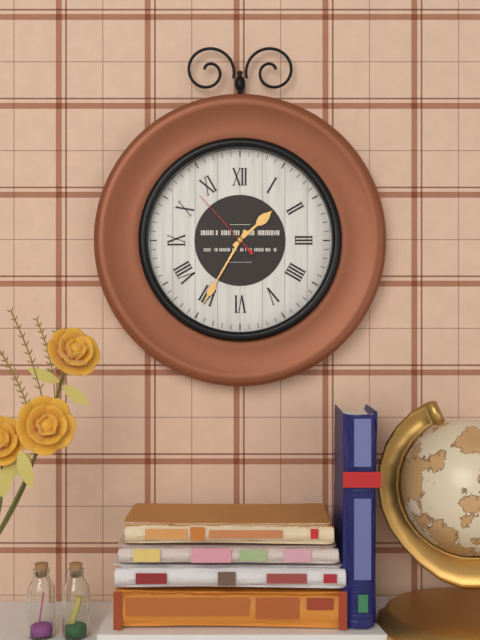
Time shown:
{"hour": 1, "minute": 35, "second": 53}
